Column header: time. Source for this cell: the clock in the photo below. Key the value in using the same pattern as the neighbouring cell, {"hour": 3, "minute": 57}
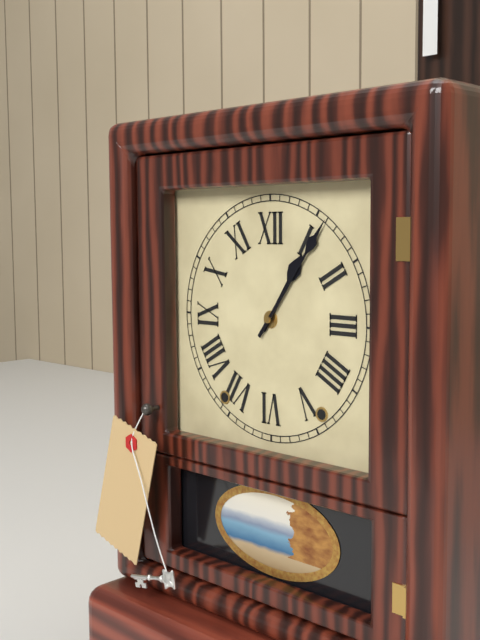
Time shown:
{"hour": 1, "minute": 6}
